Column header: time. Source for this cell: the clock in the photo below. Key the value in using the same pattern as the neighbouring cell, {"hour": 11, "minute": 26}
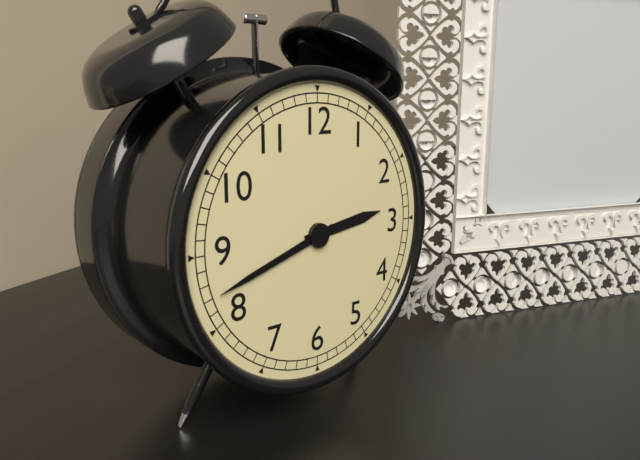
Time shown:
{"hour": 2, "minute": 42}
